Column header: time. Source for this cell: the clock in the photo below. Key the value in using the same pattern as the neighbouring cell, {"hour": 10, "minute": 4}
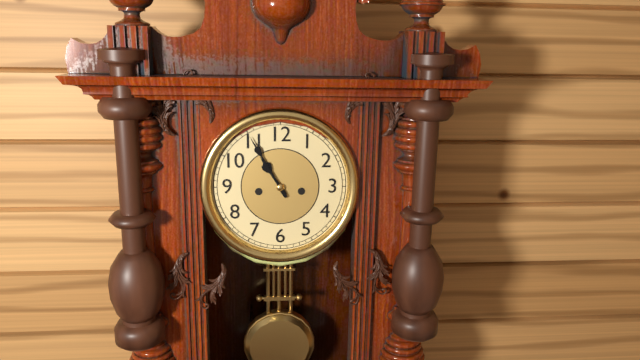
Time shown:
{"hour": 10, "minute": 55}
